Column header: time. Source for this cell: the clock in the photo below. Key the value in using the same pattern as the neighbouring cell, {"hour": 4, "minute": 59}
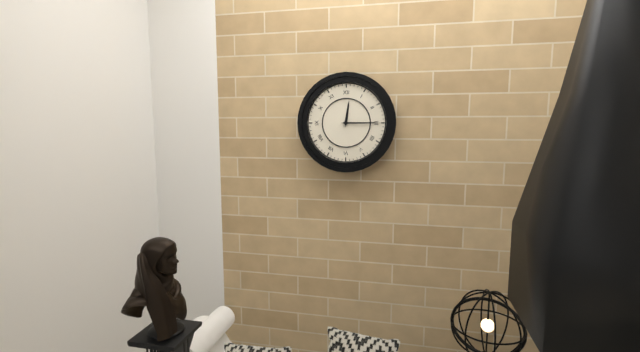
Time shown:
{"hour": 12, "minute": 15}
